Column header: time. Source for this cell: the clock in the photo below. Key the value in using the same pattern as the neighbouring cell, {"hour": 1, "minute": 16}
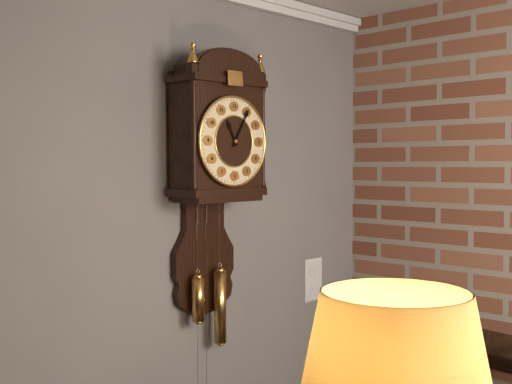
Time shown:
{"hour": 11, "minute": 5}
